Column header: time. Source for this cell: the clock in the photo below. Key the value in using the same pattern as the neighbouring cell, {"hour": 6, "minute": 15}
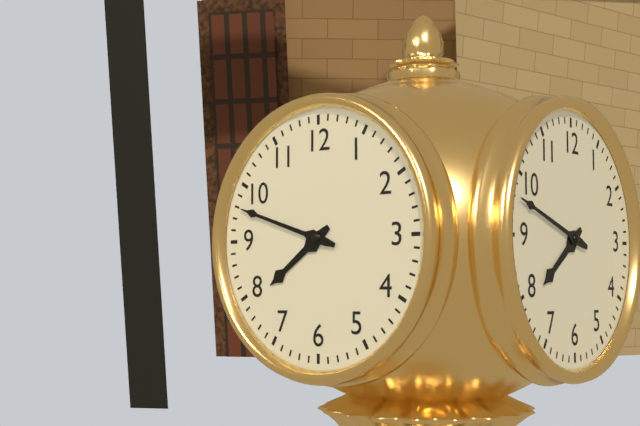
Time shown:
{"hour": 7, "minute": 48}
